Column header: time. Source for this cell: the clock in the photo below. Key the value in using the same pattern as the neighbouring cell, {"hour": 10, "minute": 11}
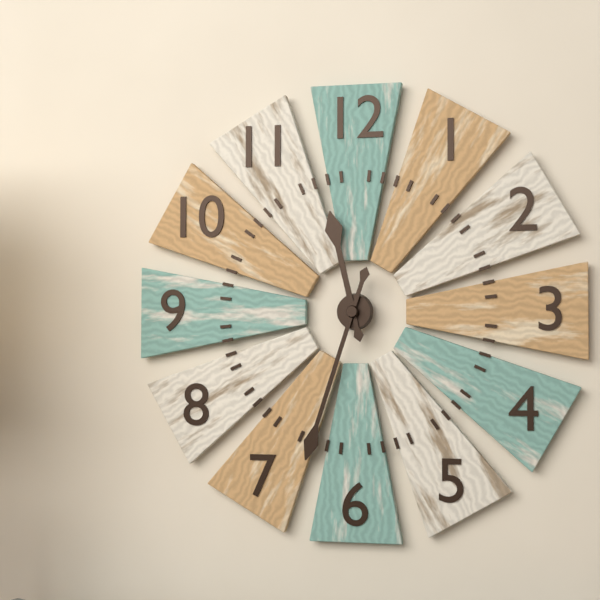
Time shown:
{"hour": 11, "minute": 33}
